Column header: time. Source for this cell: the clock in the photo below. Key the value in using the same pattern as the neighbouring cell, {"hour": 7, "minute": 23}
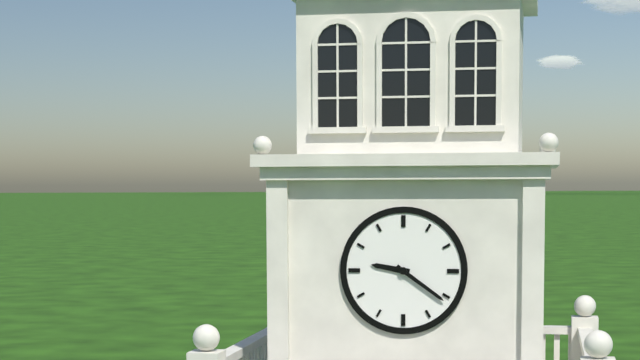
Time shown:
{"hour": 9, "minute": 21}
